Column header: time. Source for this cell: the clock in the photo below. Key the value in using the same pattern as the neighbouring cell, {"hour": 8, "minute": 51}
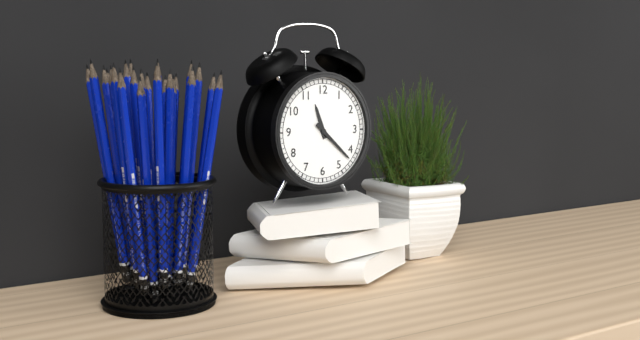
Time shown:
{"hour": 11, "minute": 22}
